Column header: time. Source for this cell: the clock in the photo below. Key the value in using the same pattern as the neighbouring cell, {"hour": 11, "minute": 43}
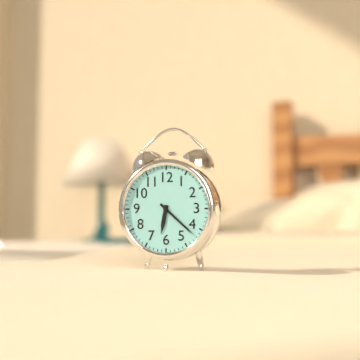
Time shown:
{"hour": 6, "minute": 22}
